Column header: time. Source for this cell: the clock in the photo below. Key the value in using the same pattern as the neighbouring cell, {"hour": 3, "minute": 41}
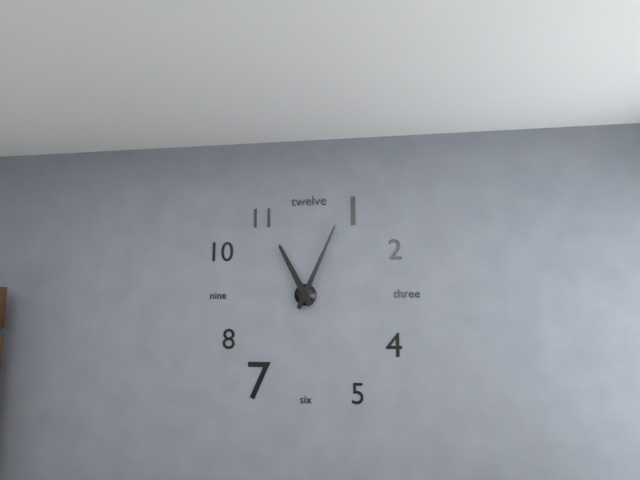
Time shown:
{"hour": 11, "minute": 4}
